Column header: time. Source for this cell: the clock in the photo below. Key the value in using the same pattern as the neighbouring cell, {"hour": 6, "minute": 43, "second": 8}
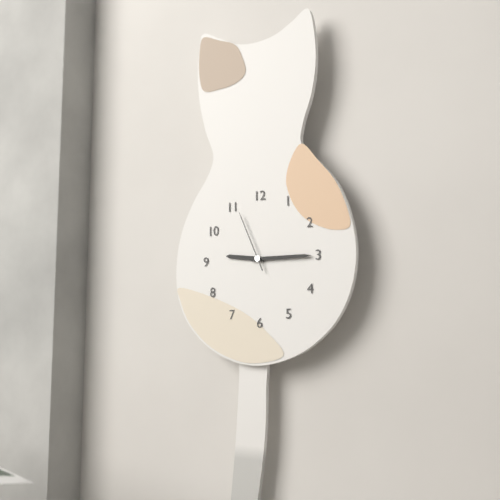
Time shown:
{"hour": 9, "minute": 15, "second": 56}
